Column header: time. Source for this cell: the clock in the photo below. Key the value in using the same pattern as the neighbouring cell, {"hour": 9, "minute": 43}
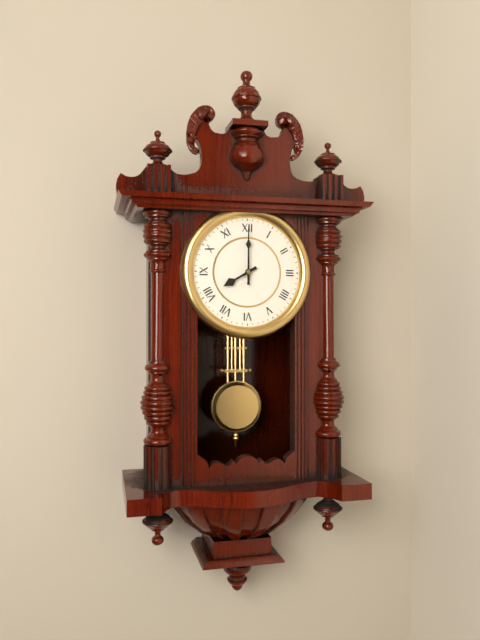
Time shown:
{"hour": 8, "minute": 0}
